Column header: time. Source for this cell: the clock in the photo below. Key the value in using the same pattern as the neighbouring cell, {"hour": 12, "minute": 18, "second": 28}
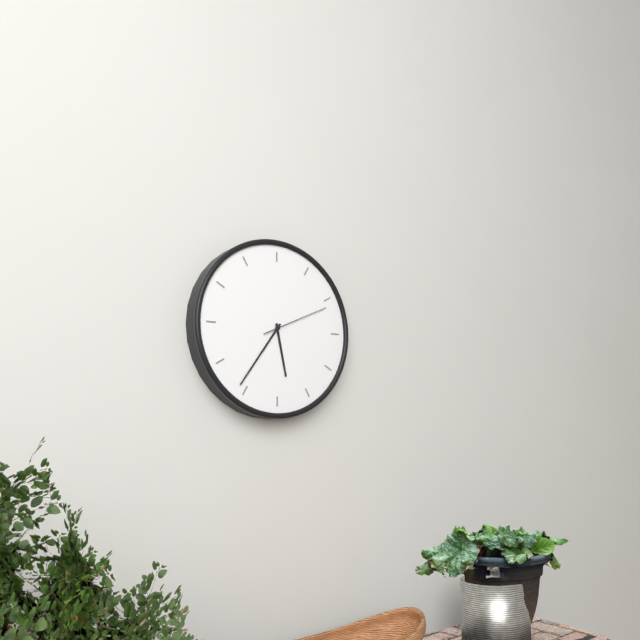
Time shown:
{"hour": 5, "minute": 36, "second": 11}
